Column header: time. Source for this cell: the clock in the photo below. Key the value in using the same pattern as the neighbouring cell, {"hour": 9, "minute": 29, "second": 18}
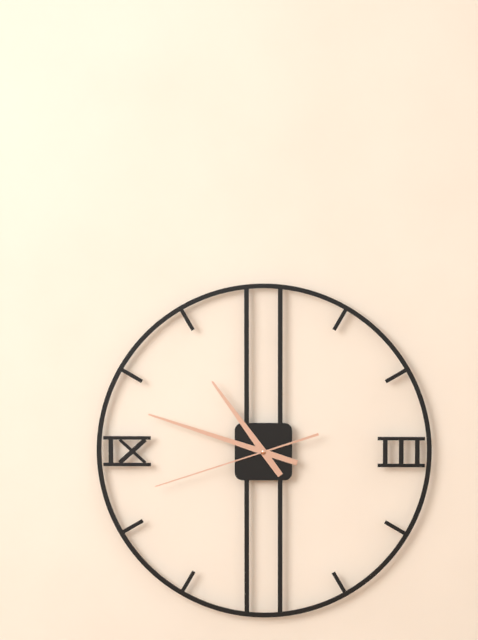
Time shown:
{"hour": 10, "minute": 48, "second": 42}
